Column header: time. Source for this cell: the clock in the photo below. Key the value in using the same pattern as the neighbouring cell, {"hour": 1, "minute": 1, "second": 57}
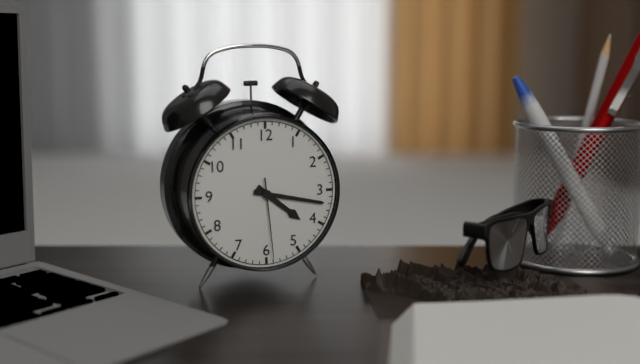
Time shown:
{"hour": 4, "minute": 17, "second": 29}
